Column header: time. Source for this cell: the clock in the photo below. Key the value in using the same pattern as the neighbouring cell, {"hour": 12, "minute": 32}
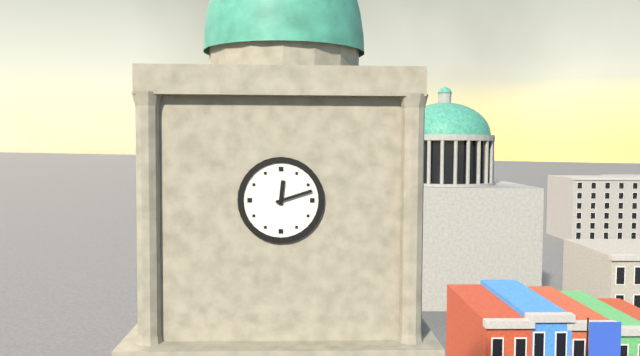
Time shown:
{"hour": 12, "minute": 12}
